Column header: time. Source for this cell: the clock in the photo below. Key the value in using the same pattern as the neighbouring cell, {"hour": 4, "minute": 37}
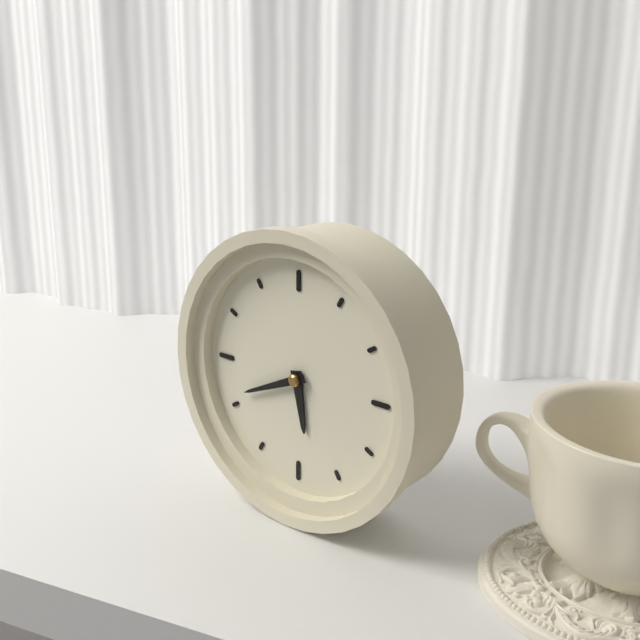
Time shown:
{"hour": 5, "minute": 41}
